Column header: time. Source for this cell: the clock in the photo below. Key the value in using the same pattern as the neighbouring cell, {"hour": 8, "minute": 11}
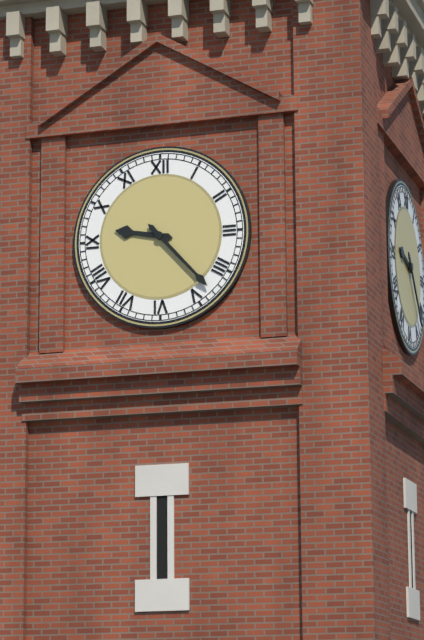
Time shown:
{"hour": 9, "minute": 23}
